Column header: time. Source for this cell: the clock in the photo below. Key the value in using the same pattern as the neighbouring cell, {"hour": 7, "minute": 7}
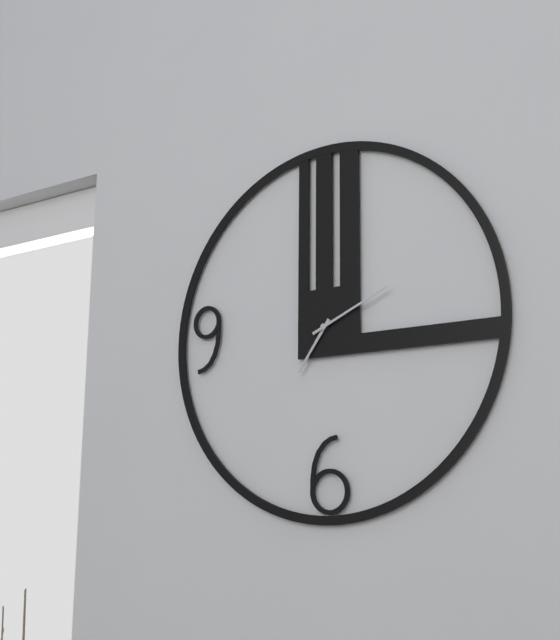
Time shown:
{"hour": 7, "minute": 11}
